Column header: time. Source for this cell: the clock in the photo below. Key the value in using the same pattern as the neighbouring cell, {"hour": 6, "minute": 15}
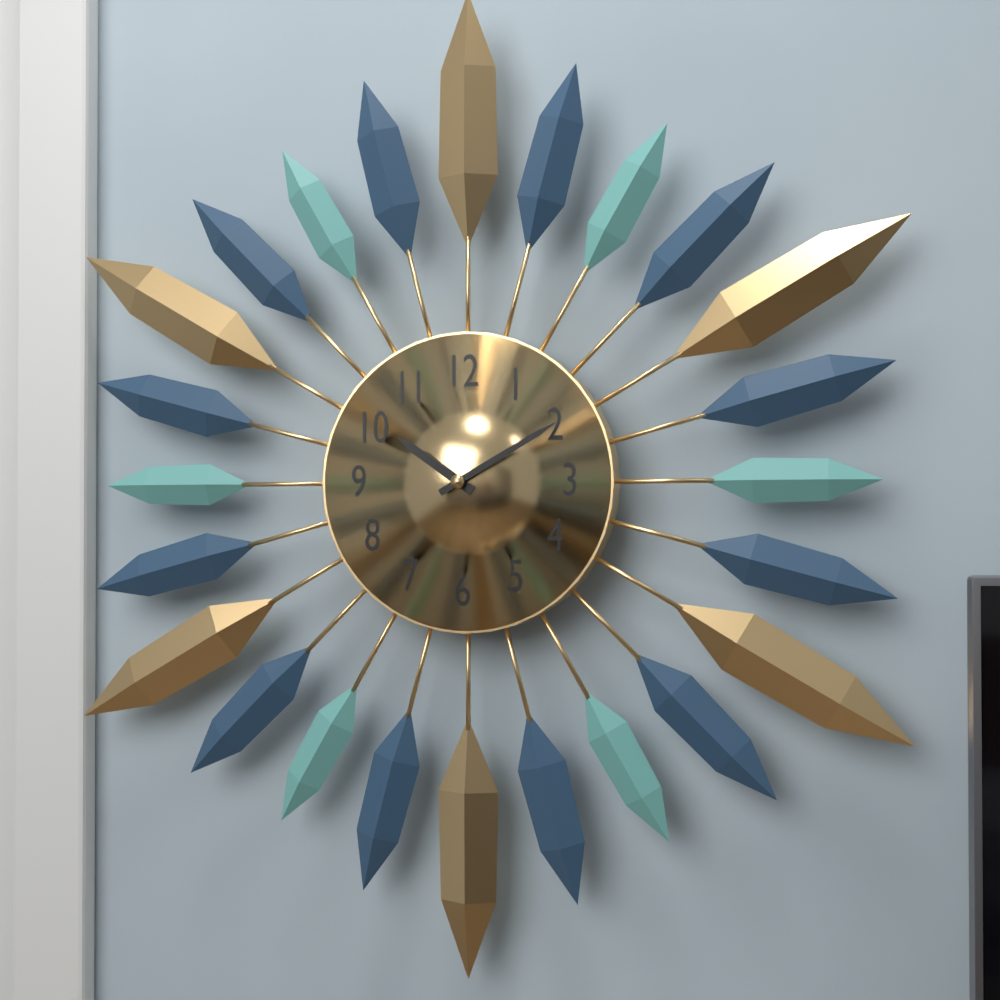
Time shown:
{"hour": 10, "minute": 10}
